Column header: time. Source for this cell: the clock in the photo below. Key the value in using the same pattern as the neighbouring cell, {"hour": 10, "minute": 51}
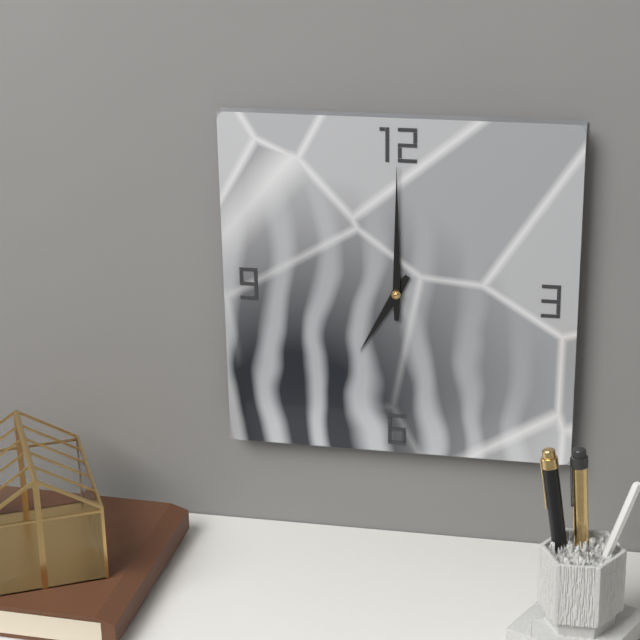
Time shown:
{"hour": 7, "minute": 0}
